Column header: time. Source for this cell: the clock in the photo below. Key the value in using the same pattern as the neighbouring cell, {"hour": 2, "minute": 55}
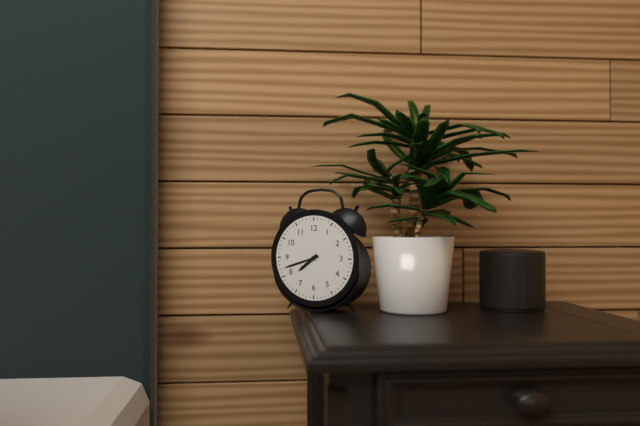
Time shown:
{"hour": 7, "minute": 42}
